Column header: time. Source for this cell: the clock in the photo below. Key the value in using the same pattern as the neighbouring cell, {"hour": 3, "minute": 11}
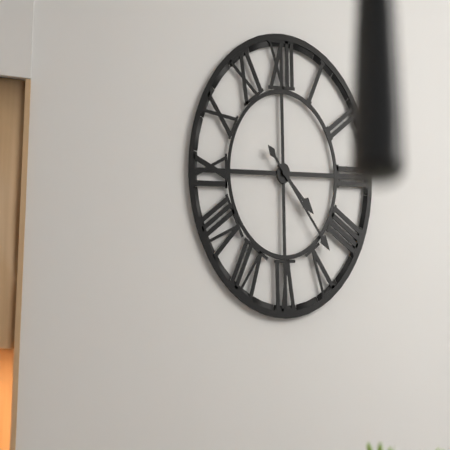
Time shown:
{"hour": 4, "minute": 23}
